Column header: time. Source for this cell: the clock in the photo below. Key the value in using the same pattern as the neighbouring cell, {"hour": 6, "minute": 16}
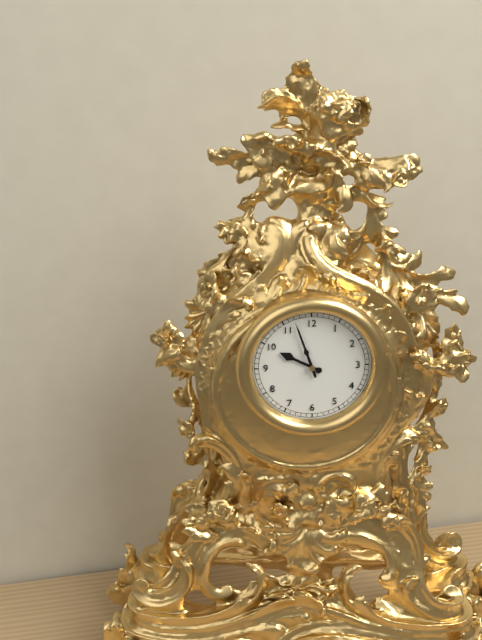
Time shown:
{"hour": 9, "minute": 57}
